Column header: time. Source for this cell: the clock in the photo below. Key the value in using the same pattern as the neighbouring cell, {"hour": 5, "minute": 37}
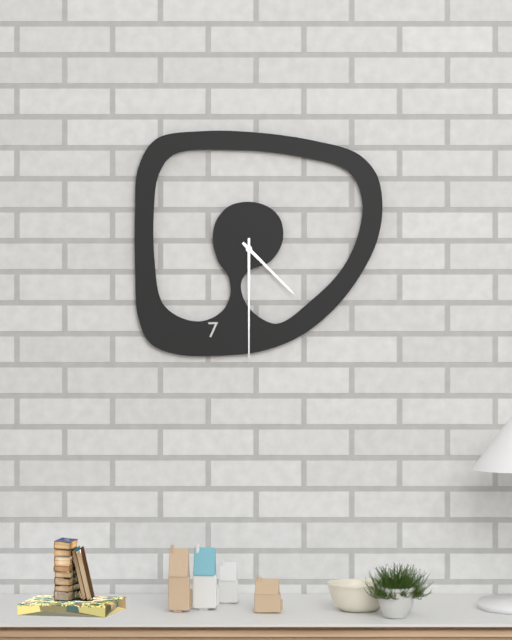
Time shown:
{"hour": 4, "minute": 30}
